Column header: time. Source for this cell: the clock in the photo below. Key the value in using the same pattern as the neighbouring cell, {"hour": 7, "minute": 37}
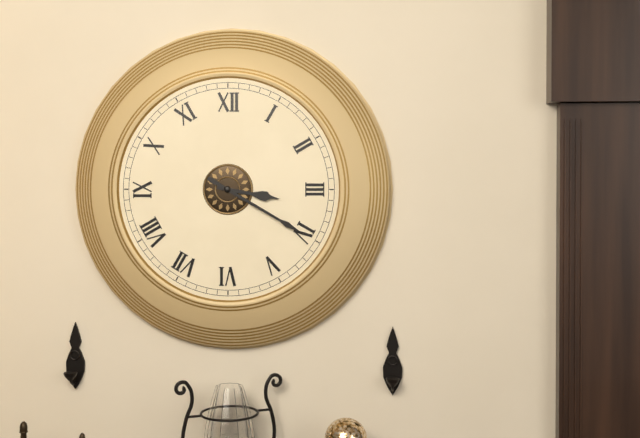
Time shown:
{"hour": 3, "minute": 20}
